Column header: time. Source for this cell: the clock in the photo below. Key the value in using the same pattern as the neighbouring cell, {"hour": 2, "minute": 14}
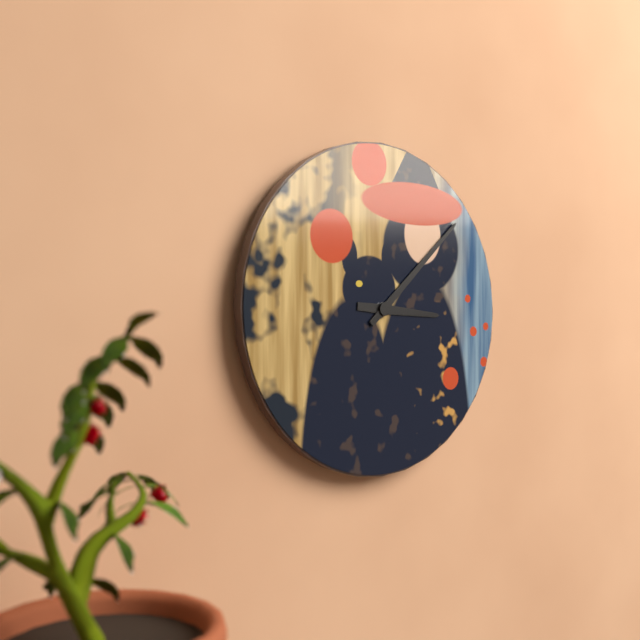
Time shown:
{"hour": 3, "minute": 8}
